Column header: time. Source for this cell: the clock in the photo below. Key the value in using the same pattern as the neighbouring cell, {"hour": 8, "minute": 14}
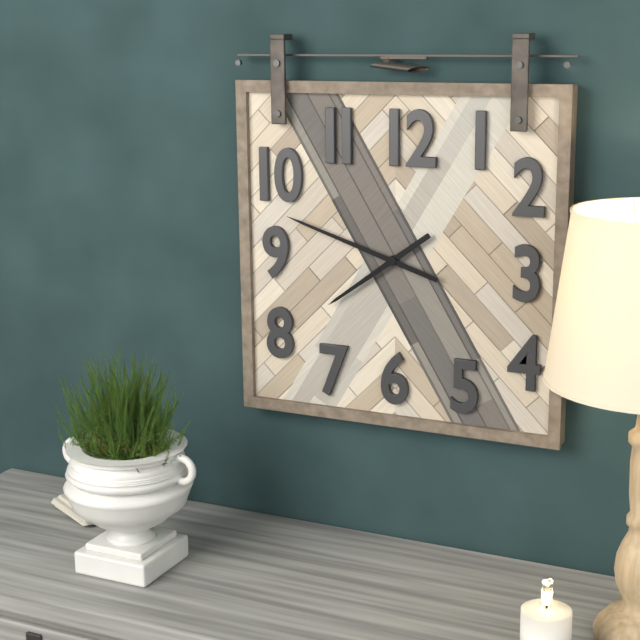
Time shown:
{"hour": 7, "minute": 48}
